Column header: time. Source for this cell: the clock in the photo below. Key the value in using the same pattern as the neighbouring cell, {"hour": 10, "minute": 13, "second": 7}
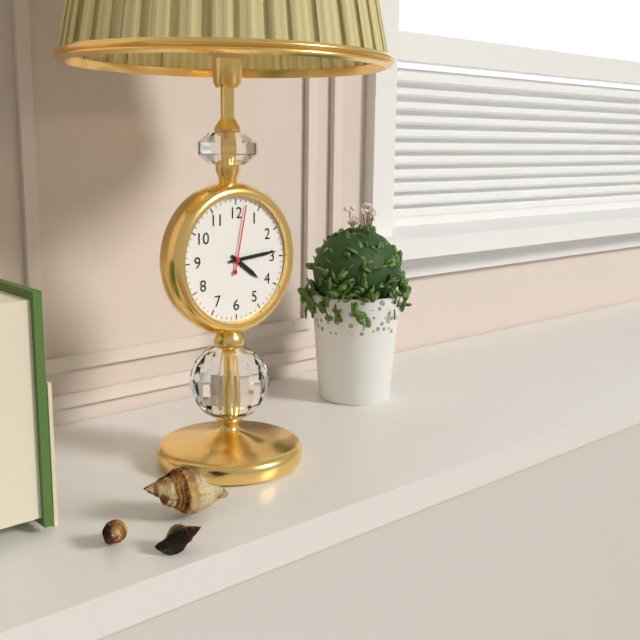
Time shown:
{"hour": 4, "minute": 14, "second": 2}
